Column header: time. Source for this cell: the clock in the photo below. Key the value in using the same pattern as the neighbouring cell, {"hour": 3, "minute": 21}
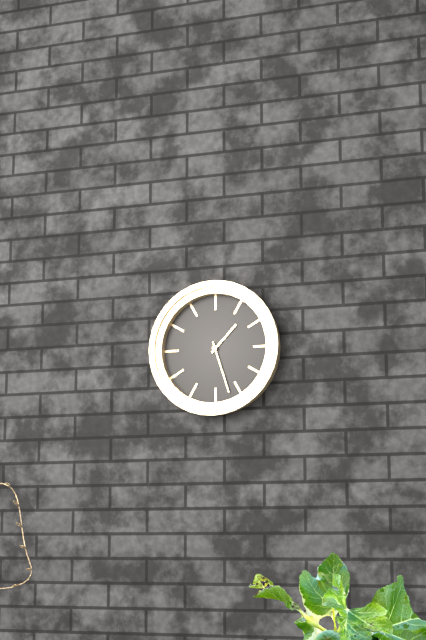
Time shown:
{"hour": 1, "minute": 27}
